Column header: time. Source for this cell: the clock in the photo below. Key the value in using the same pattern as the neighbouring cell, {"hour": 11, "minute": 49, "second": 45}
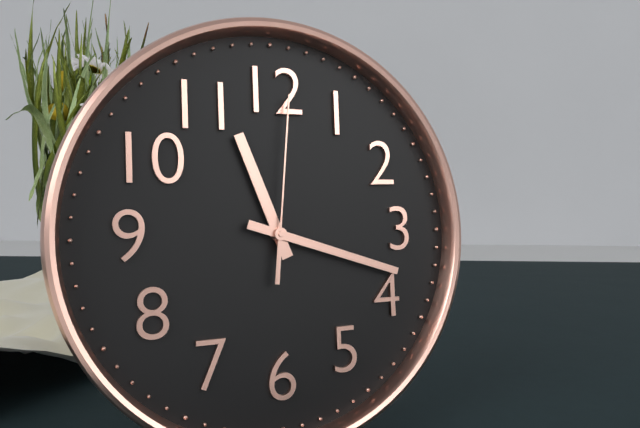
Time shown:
{"hour": 11, "minute": 18, "second": 1}
